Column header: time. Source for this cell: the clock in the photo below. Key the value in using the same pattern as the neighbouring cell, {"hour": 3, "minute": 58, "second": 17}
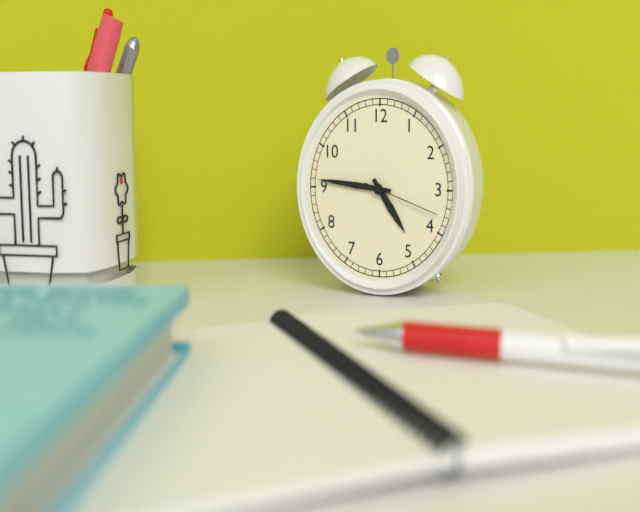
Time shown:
{"hour": 4, "minute": 46, "second": 18}
